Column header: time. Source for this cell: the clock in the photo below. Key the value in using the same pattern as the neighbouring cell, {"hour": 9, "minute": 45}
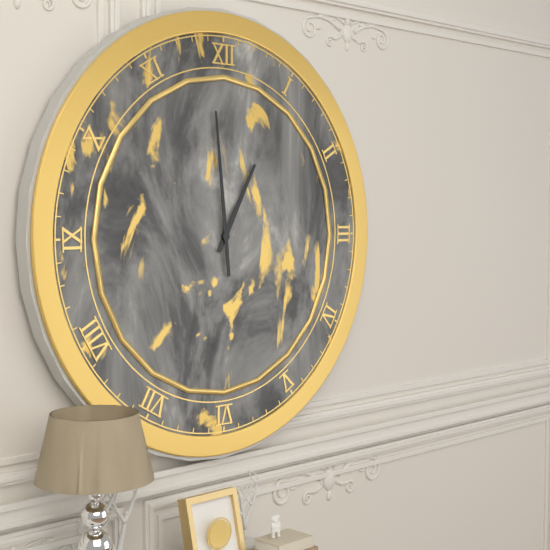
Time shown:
{"hour": 12, "minute": 59}
